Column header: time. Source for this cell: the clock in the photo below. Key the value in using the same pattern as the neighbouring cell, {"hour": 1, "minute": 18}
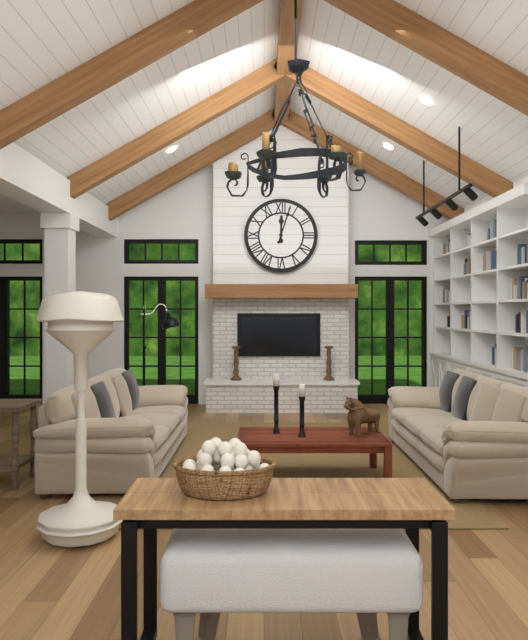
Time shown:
{"hour": 12, "minute": 3}
